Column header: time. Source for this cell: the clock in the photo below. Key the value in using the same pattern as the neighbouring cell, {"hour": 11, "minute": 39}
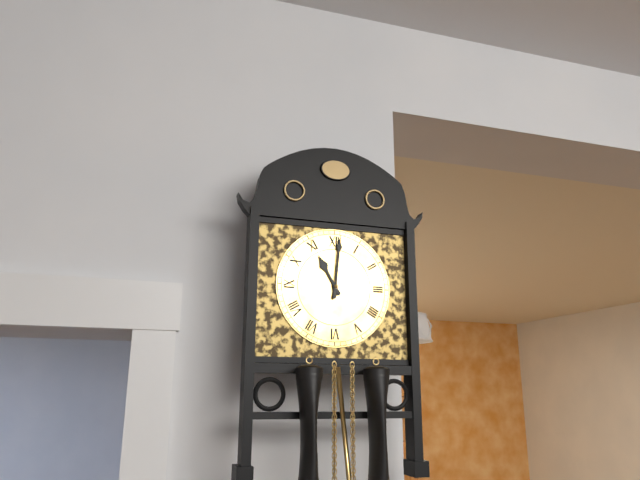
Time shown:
{"hour": 11, "minute": 1}
